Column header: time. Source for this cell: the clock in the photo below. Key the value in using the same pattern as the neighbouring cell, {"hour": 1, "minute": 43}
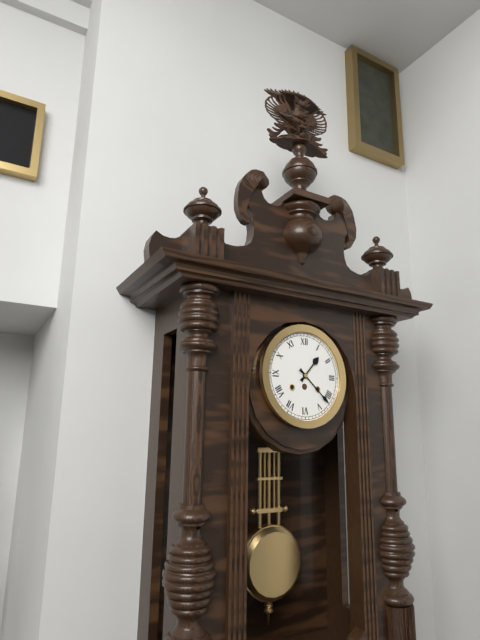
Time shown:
{"hour": 1, "minute": 22}
